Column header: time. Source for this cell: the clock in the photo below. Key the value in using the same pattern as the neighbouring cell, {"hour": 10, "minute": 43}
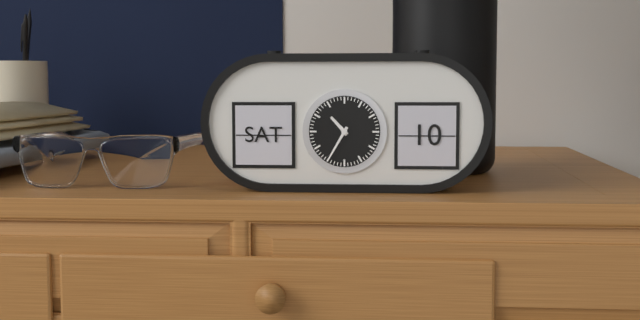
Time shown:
{"hour": 10, "minute": 35}
